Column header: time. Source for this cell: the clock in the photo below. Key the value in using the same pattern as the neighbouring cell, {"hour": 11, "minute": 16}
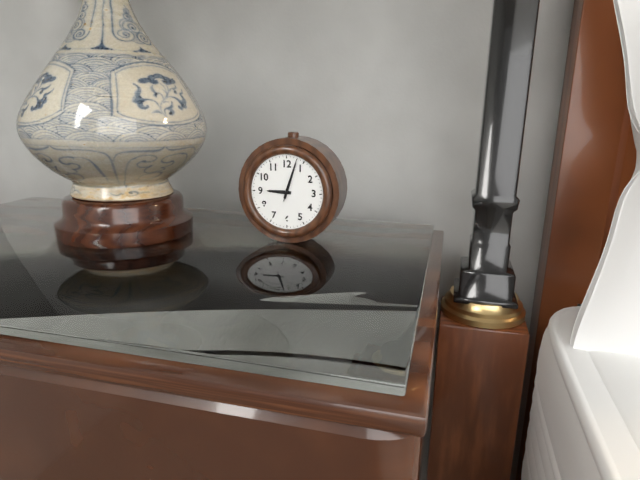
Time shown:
{"hour": 9, "minute": 3}
